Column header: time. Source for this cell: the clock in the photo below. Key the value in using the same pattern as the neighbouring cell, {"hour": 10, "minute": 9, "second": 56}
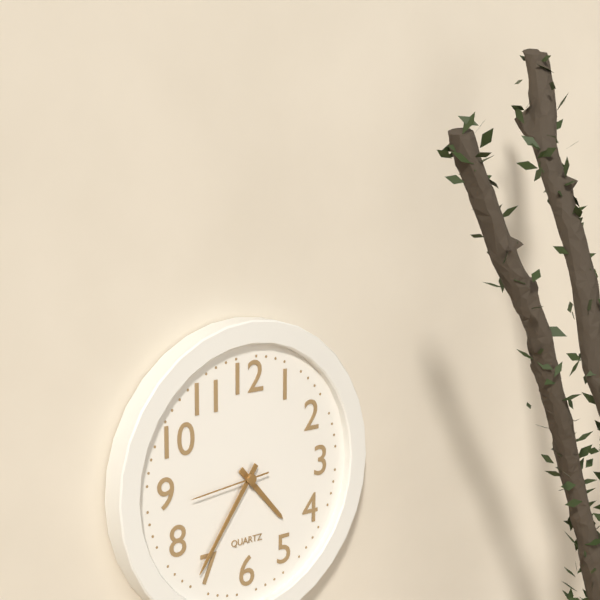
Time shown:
{"hour": 4, "minute": 36, "second": 44}
